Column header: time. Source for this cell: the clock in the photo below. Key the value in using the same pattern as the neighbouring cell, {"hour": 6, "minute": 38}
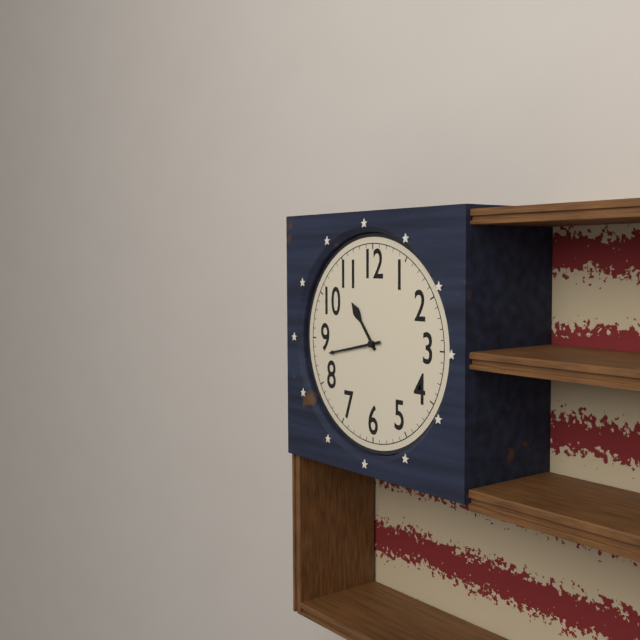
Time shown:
{"hour": 10, "minute": 43}
